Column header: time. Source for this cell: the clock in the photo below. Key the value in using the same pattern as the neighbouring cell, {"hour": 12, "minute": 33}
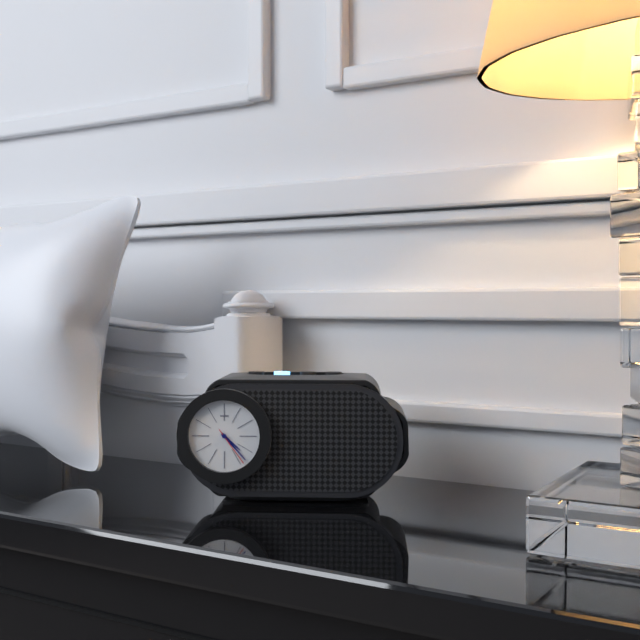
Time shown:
{"hour": 4, "minute": 23}
